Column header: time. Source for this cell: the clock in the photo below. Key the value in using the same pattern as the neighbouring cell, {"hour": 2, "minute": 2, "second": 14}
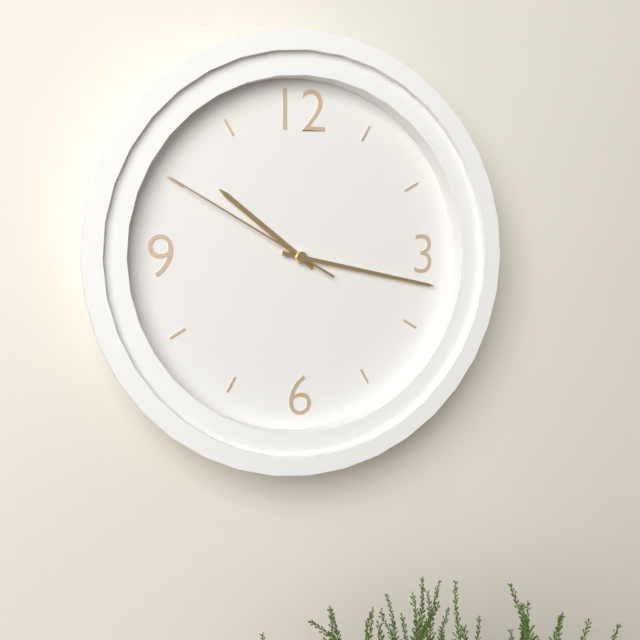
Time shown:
{"hour": 10, "minute": 17, "second": 50}
